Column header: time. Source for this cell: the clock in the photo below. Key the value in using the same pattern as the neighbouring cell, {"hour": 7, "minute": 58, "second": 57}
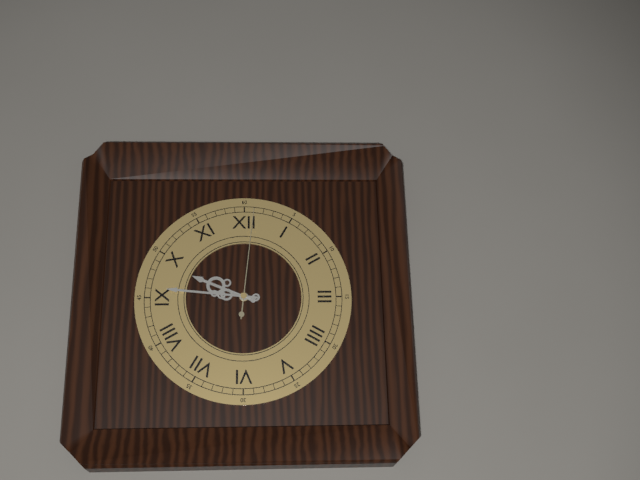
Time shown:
{"hour": 9, "minute": 46, "second": 1}
